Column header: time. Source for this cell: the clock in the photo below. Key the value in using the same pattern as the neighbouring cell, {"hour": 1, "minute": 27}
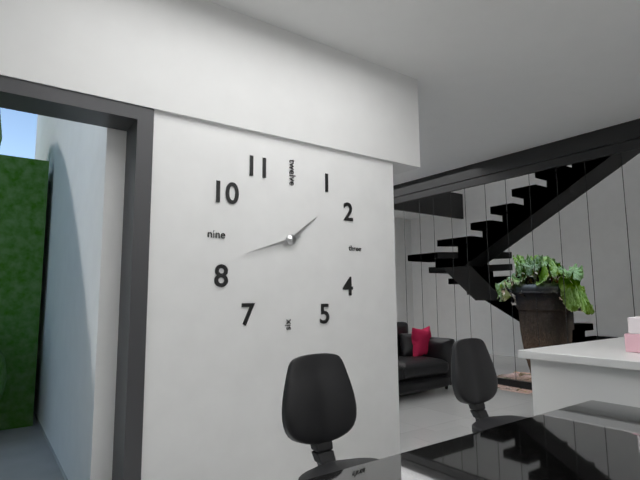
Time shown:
{"hour": 1, "minute": 42}
